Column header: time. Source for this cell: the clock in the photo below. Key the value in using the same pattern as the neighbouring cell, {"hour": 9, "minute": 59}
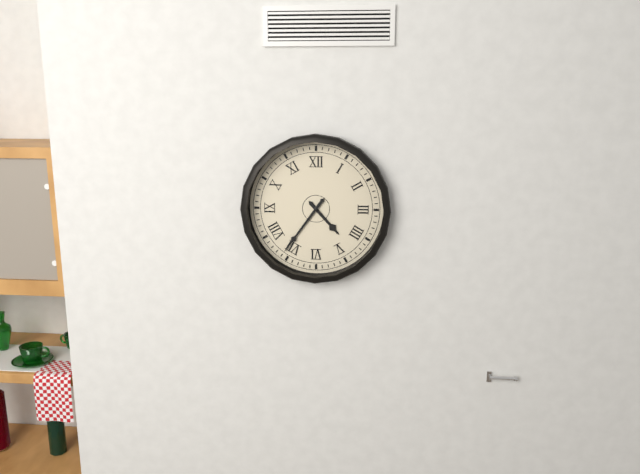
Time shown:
{"hour": 4, "minute": 36}
